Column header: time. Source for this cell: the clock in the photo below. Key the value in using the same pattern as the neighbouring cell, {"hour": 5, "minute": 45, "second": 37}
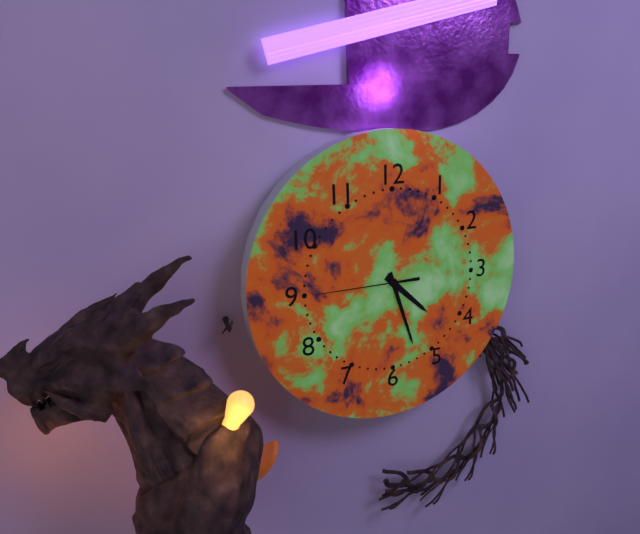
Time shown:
{"hour": 4, "minute": 27, "second": 45}
